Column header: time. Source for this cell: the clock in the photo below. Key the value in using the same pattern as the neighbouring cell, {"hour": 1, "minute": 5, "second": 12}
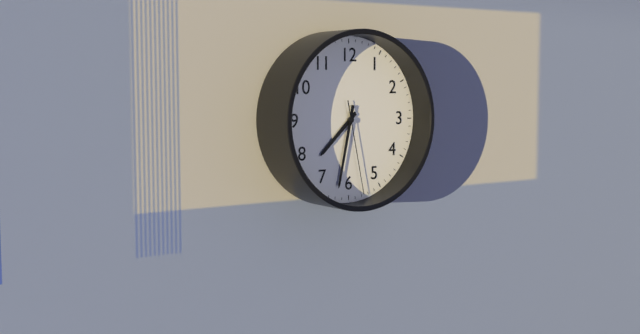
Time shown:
{"hour": 7, "minute": 32, "second": 28}
